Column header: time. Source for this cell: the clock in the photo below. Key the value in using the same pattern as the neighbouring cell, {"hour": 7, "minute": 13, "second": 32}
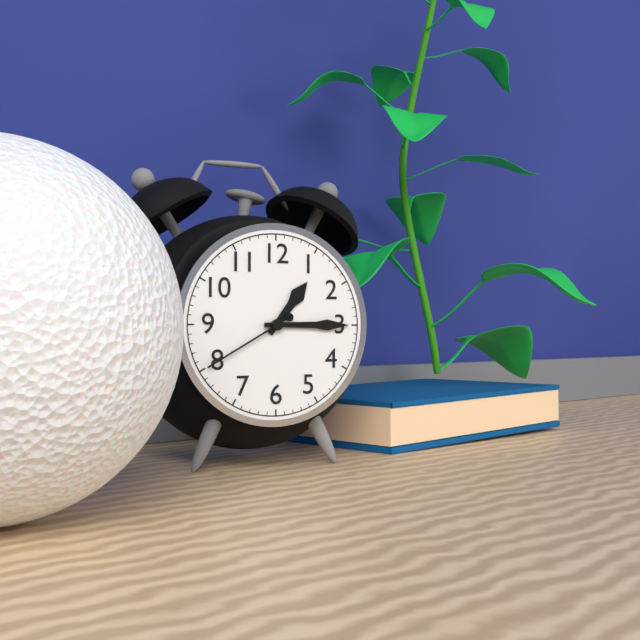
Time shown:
{"hour": 1, "minute": 15, "second": 40}
